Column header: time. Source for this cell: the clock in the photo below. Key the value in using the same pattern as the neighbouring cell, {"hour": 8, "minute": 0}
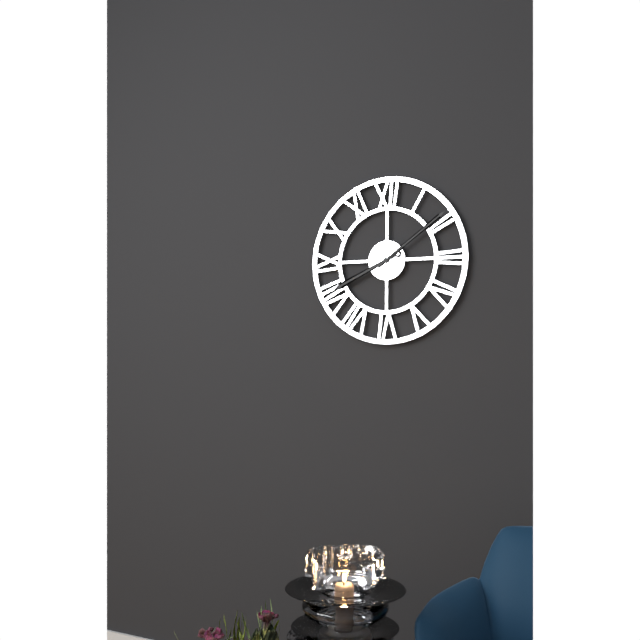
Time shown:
{"hour": 8, "minute": 9}
